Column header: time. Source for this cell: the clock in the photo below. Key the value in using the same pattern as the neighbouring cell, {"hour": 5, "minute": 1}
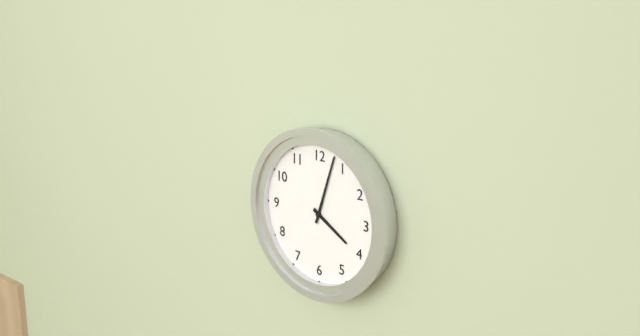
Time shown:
{"hour": 4, "minute": 3}
